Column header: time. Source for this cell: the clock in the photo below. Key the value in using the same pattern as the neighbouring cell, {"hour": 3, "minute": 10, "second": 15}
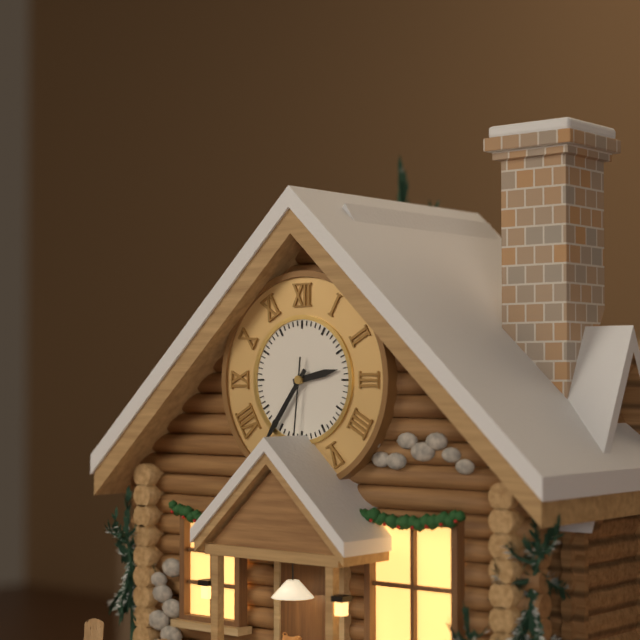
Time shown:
{"hour": 2, "minute": 36, "second": 31}
